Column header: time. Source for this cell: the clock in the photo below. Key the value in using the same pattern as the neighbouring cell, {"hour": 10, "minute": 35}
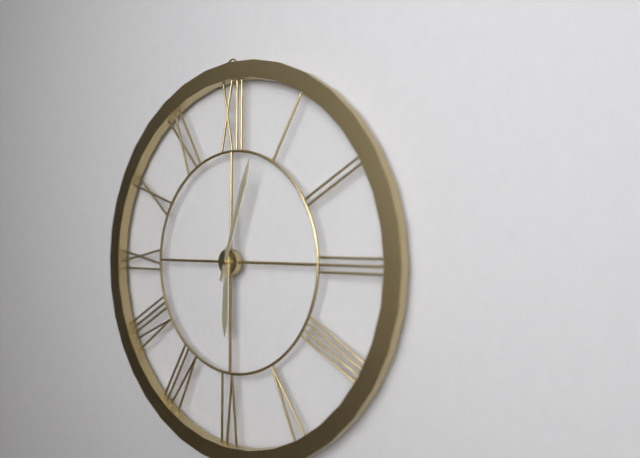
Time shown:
{"hour": 6, "minute": 3}
